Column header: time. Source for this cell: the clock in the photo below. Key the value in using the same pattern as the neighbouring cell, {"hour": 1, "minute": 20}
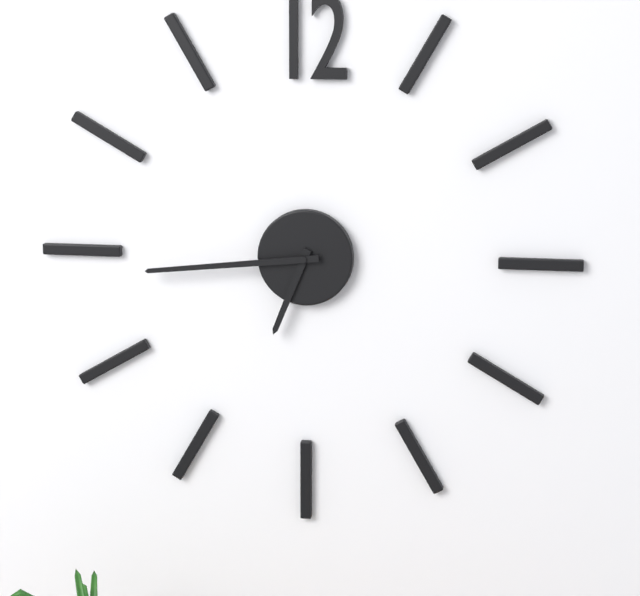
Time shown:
{"hour": 6, "minute": 44}
